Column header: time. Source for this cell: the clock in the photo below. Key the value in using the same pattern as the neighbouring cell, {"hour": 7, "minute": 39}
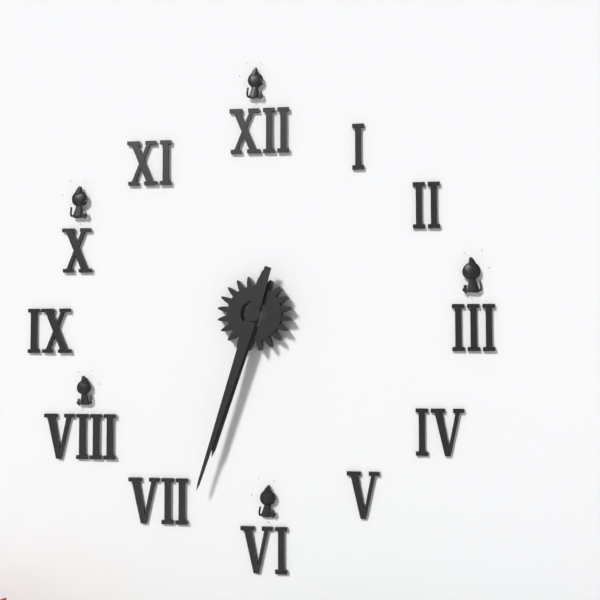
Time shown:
{"hour": 6, "minute": 33}
